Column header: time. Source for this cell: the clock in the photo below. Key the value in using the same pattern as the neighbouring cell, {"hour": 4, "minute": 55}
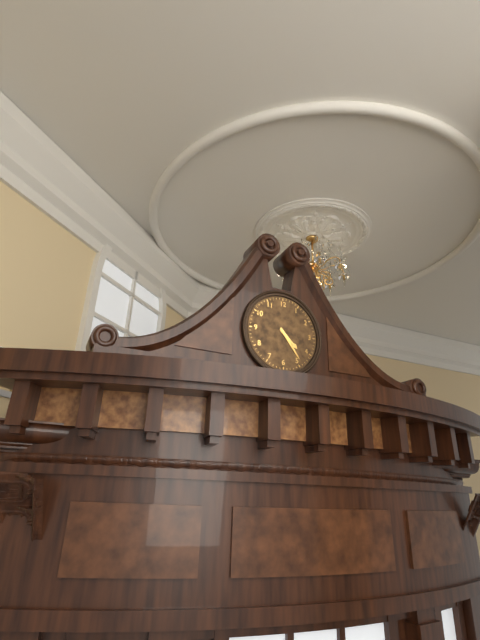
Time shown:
{"hour": 4, "minute": 24}
